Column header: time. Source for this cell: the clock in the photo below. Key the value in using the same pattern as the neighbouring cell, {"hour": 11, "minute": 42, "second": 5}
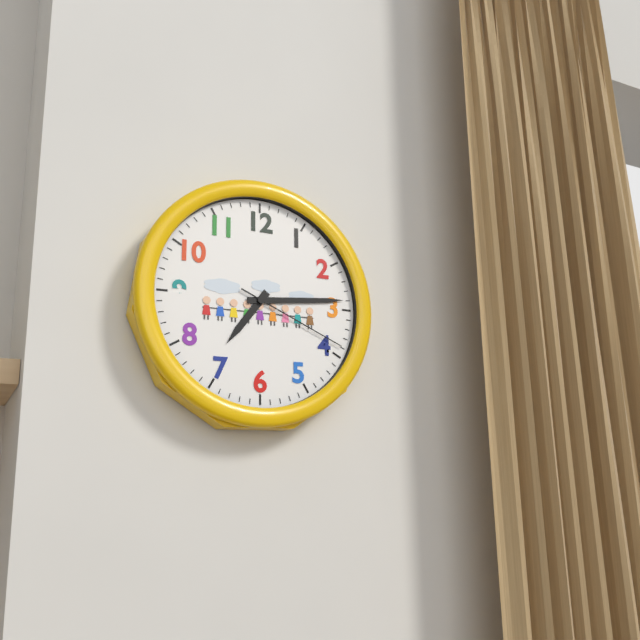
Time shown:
{"hour": 7, "minute": 14, "second": 19}
